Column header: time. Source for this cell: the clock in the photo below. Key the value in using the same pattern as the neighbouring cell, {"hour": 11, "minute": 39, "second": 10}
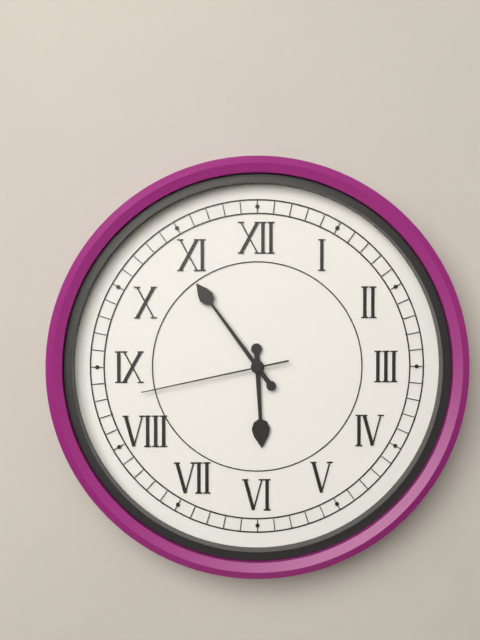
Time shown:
{"hour": 5, "minute": 54, "second": 43}
